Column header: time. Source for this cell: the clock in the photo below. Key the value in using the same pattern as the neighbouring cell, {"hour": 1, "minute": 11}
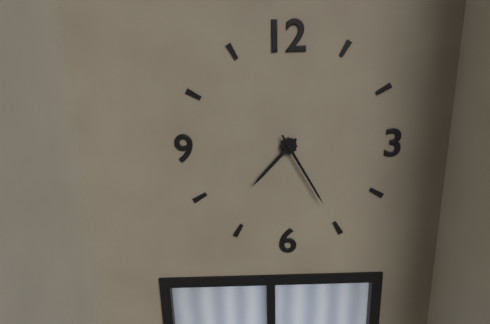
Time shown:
{"hour": 7, "minute": 25}
